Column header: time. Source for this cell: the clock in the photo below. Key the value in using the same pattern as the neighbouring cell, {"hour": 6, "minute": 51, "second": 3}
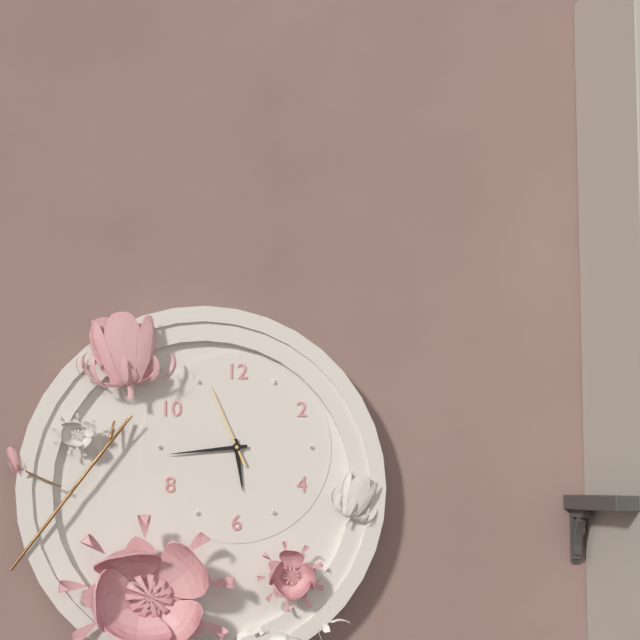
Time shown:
{"hour": 5, "minute": 44, "second": 56}
